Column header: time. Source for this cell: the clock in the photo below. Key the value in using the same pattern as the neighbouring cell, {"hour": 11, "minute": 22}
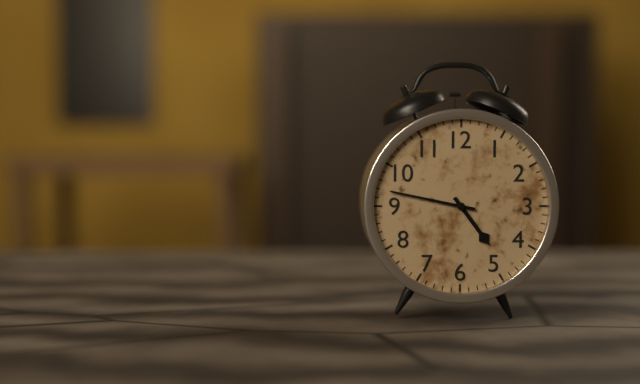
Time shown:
{"hour": 4, "minute": 47}
